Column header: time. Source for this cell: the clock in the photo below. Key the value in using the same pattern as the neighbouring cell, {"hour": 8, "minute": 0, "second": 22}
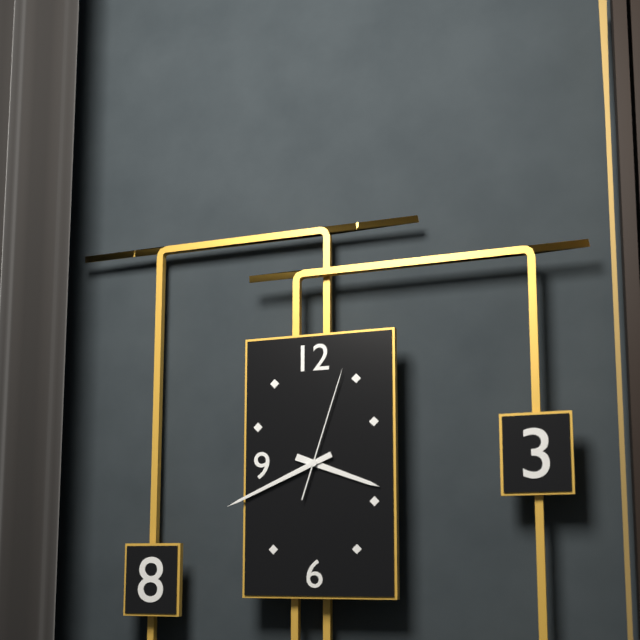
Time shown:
{"hour": 3, "minute": 41, "second": 3}
